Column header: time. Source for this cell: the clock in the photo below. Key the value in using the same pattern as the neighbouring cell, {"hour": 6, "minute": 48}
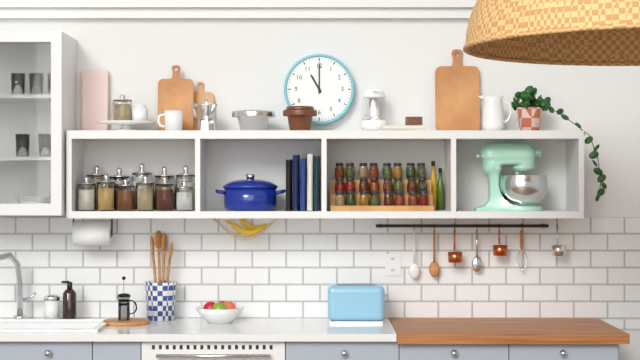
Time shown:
{"hour": 11, "minute": 0}
